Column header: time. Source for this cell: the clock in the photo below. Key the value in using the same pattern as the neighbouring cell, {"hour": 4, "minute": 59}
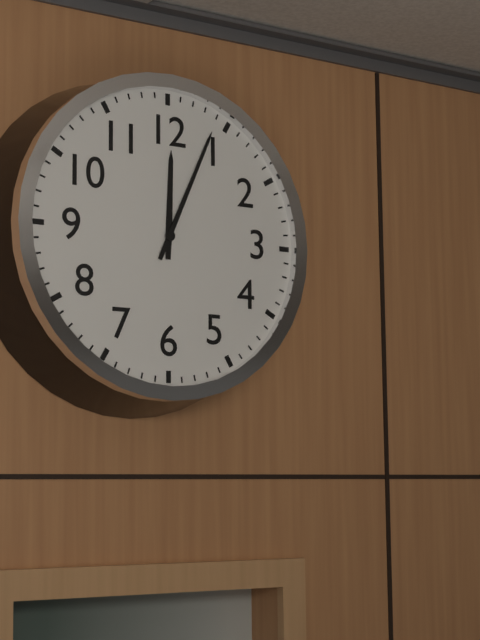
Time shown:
{"hour": 12, "minute": 4}
